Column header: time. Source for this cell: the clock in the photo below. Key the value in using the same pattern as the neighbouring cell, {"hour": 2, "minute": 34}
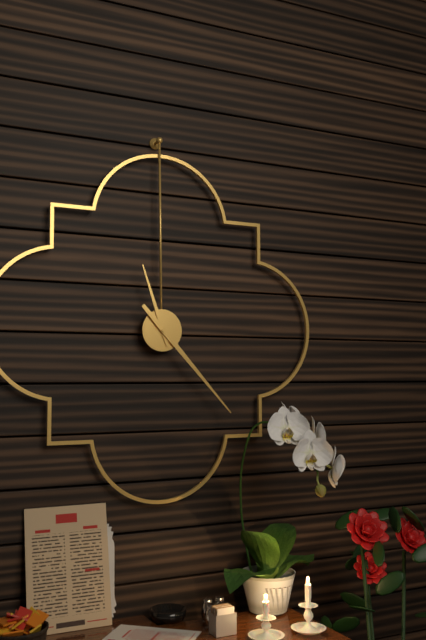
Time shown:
{"hour": 11, "minute": 23}
